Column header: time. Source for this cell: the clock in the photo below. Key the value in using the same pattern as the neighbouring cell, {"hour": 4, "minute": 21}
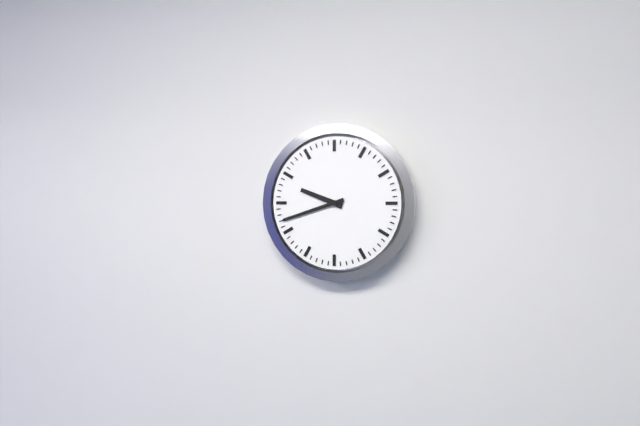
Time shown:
{"hour": 9, "minute": 42}
